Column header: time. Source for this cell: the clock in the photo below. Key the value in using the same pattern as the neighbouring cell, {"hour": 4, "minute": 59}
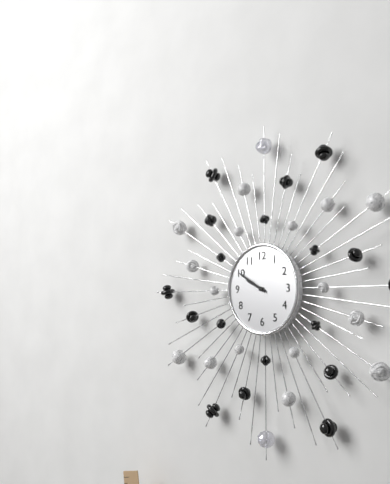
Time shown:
{"hour": 9, "minute": 50}
